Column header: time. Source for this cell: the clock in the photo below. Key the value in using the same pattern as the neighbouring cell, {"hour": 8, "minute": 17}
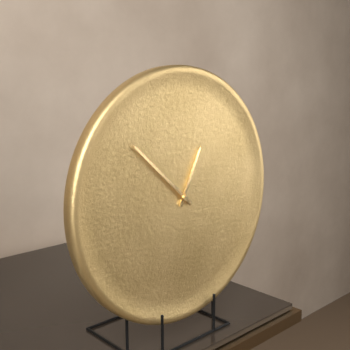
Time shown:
{"hour": 12, "minute": 52}
